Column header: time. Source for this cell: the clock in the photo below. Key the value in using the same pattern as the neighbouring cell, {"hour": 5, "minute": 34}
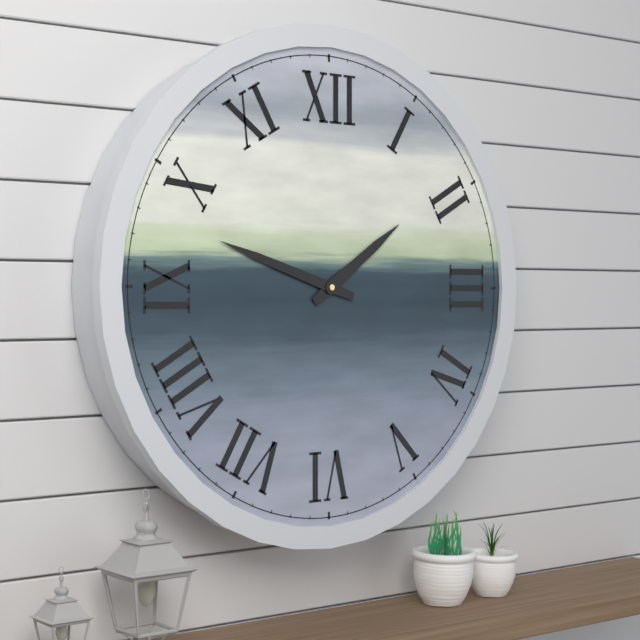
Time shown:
{"hour": 1, "minute": 48}
